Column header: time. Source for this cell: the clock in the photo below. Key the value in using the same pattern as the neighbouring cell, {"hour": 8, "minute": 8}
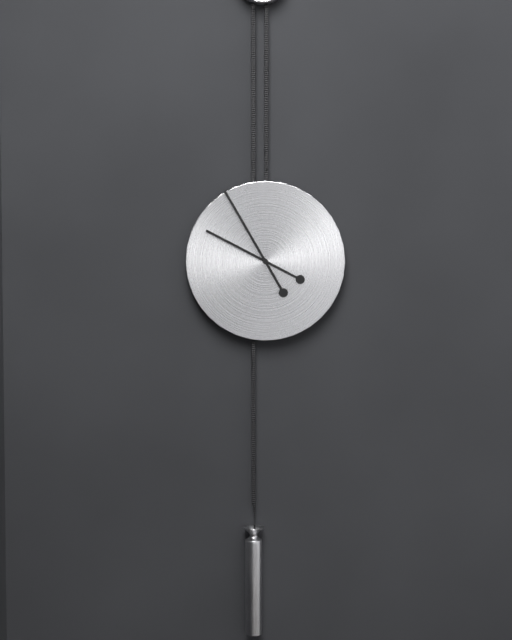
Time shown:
{"hour": 9, "minute": 55}
